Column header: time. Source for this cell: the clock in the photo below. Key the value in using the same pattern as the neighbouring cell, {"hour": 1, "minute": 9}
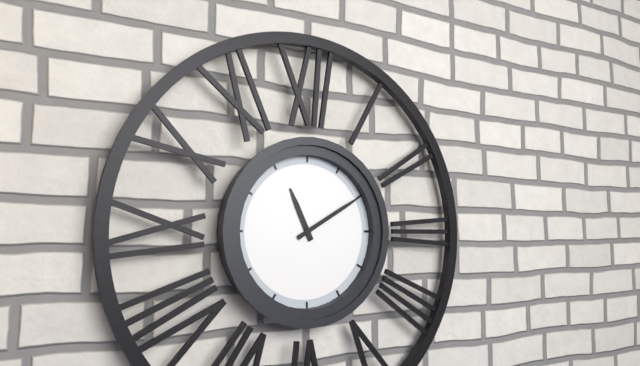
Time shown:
{"hour": 11, "minute": 10}
